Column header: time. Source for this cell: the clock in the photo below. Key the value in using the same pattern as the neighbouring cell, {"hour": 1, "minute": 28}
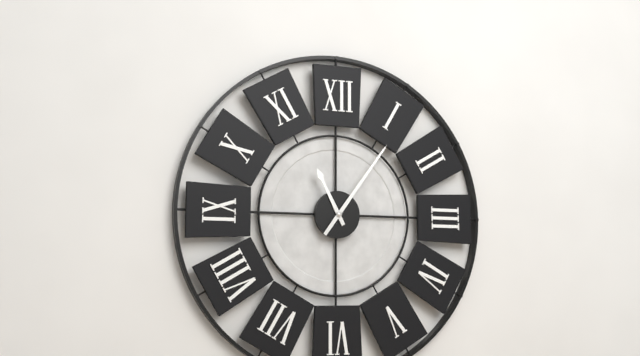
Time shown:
{"hour": 11, "minute": 6}
